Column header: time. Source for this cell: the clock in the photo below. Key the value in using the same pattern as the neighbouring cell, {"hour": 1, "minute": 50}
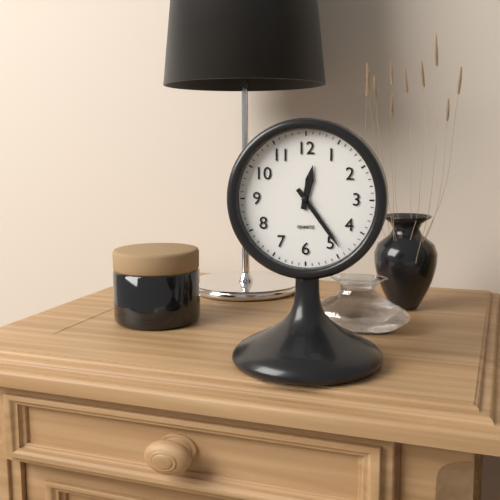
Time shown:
{"hour": 12, "minute": 24}
